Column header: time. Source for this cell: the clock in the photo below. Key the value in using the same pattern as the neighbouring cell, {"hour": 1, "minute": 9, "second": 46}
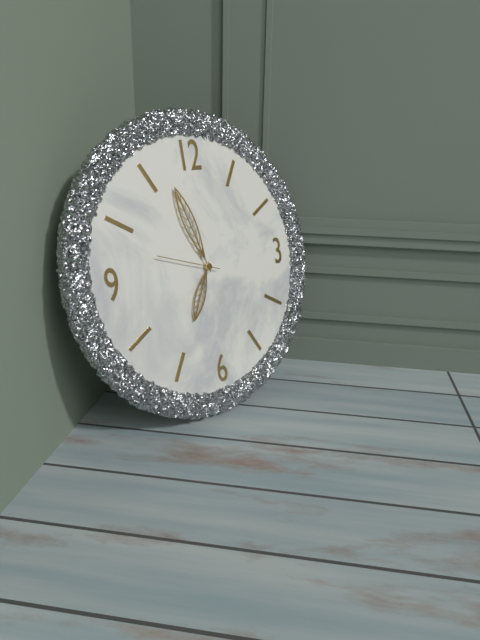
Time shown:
{"hour": 6, "minute": 57, "second": 48}
